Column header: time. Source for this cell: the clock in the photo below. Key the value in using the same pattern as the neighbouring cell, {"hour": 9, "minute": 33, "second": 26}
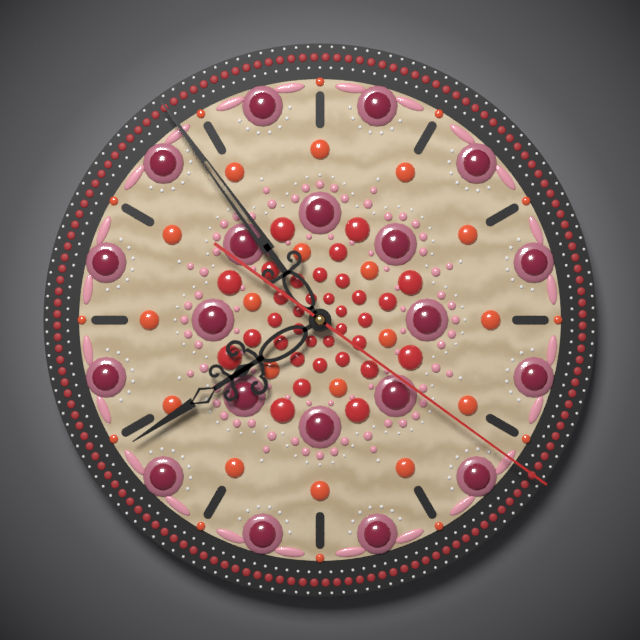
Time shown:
{"hour": 7, "minute": 54, "second": 21}
